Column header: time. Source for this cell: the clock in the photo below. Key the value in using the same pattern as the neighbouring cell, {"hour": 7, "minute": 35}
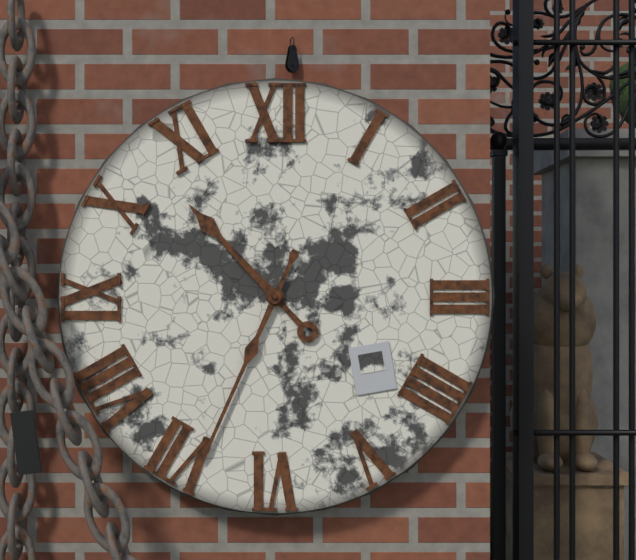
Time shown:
{"hour": 10, "minute": 34}
